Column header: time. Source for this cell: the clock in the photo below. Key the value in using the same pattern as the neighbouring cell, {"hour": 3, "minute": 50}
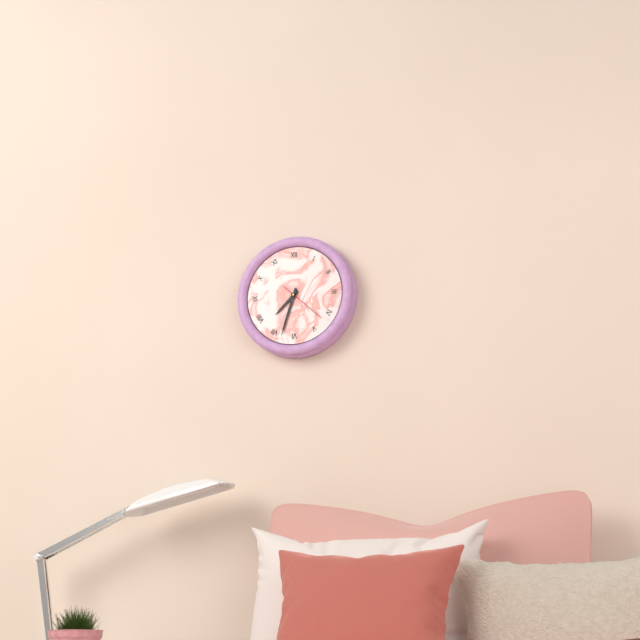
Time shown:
{"hour": 7, "minute": 33}
